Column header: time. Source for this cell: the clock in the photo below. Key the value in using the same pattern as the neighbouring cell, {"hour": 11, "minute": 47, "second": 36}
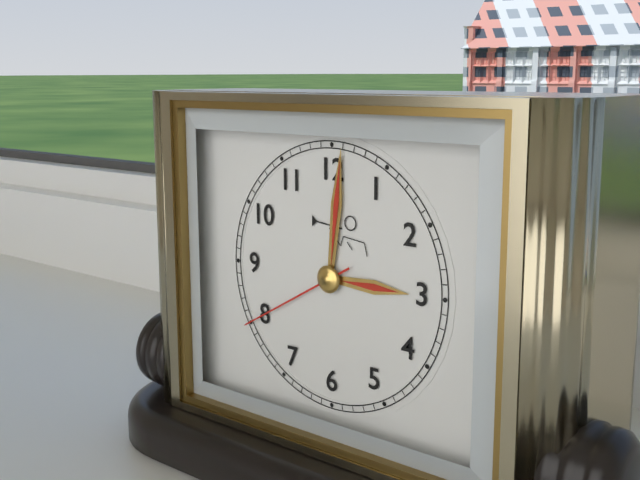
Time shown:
{"hour": 3, "minute": 1, "second": 40}
